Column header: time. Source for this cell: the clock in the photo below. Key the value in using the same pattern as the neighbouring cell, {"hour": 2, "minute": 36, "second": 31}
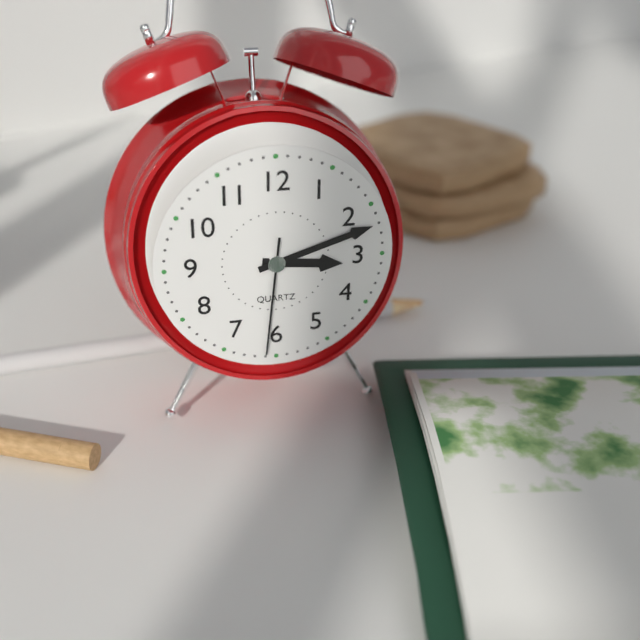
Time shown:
{"hour": 3, "minute": 12, "second": 31}
